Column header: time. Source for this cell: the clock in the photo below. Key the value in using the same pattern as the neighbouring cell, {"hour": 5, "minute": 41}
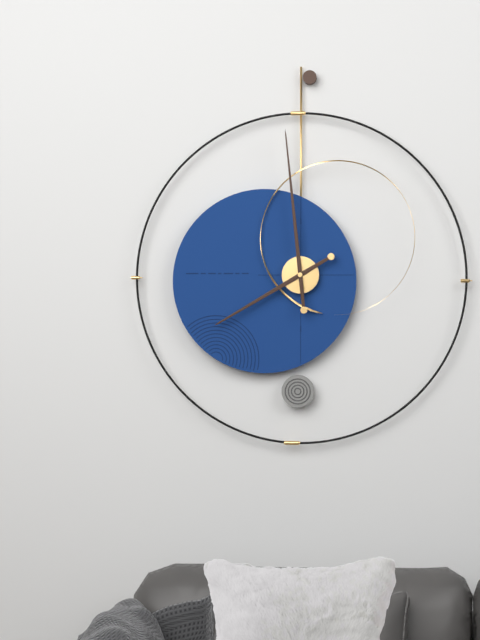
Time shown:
{"hour": 7, "minute": 59}
